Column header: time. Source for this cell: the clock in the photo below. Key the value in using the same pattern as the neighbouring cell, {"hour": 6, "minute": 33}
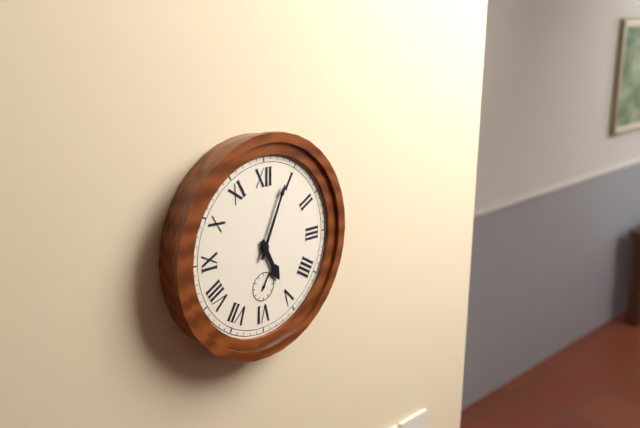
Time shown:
{"hour": 5, "minute": 4}
